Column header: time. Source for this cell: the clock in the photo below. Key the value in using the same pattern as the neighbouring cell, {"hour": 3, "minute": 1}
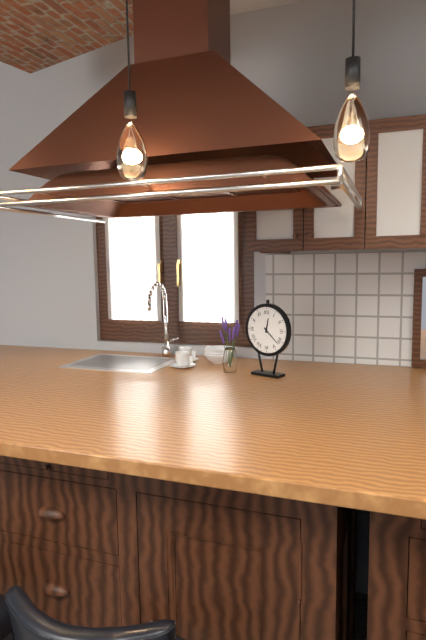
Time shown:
{"hour": 12, "minute": 22}
